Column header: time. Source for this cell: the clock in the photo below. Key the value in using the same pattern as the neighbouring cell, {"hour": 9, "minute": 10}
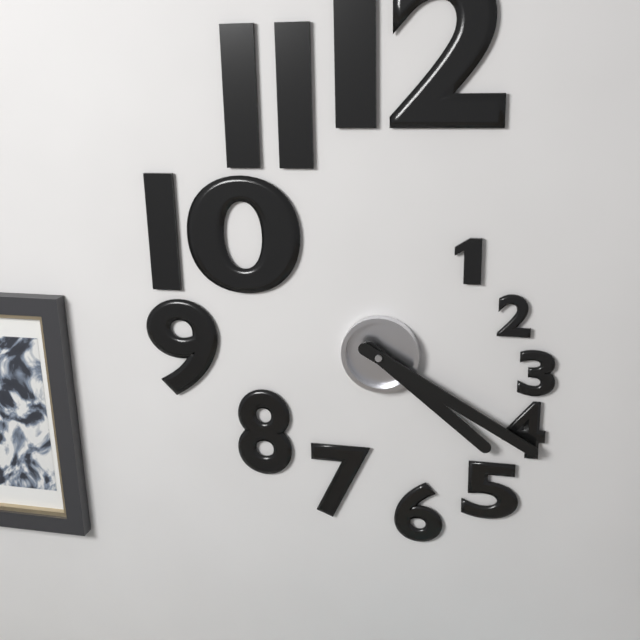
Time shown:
{"hour": 4, "minute": 20}
